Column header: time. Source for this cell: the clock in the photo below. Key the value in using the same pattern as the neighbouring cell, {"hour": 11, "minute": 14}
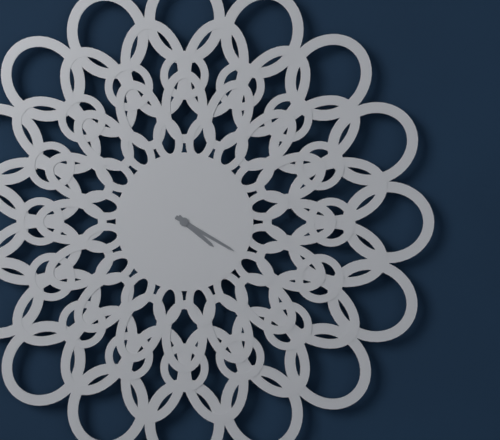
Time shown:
{"hour": 4, "minute": 20}
